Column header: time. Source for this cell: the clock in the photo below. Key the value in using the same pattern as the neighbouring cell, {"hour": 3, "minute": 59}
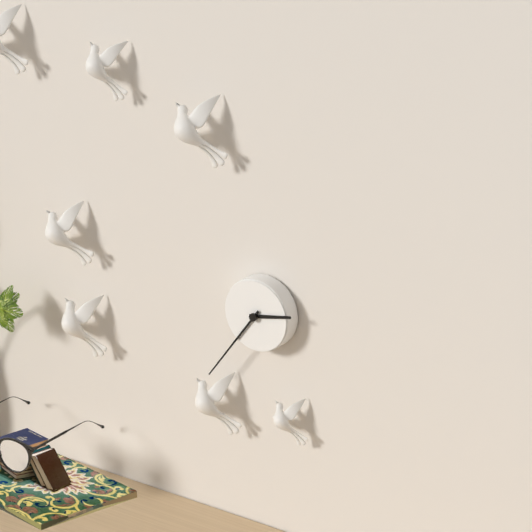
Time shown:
{"hour": 2, "minute": 36}
